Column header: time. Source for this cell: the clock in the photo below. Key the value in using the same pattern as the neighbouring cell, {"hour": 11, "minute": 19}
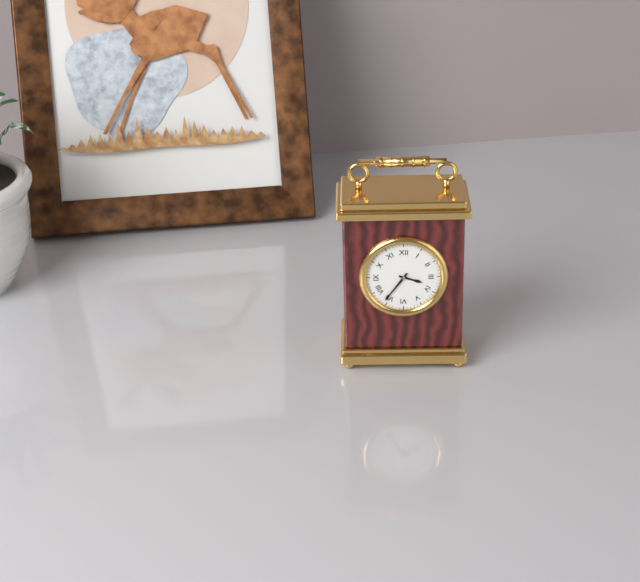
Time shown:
{"hour": 3, "minute": 36}
